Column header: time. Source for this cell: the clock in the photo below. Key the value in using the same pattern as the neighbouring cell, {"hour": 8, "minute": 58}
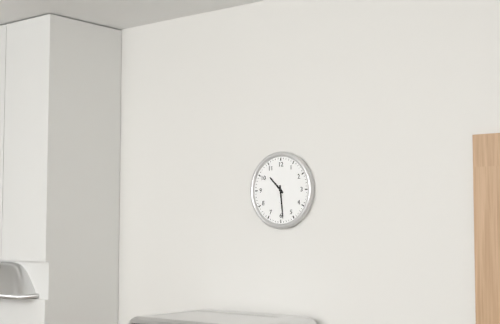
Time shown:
{"hour": 10, "minute": 29}
